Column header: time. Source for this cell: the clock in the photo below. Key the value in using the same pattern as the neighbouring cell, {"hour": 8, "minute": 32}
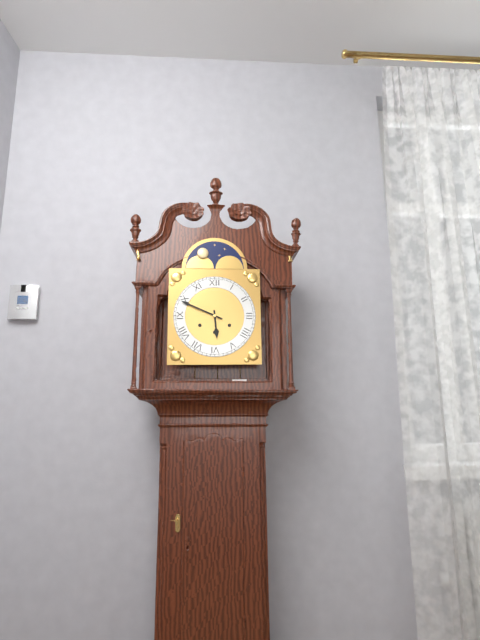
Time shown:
{"hour": 5, "minute": 49}
